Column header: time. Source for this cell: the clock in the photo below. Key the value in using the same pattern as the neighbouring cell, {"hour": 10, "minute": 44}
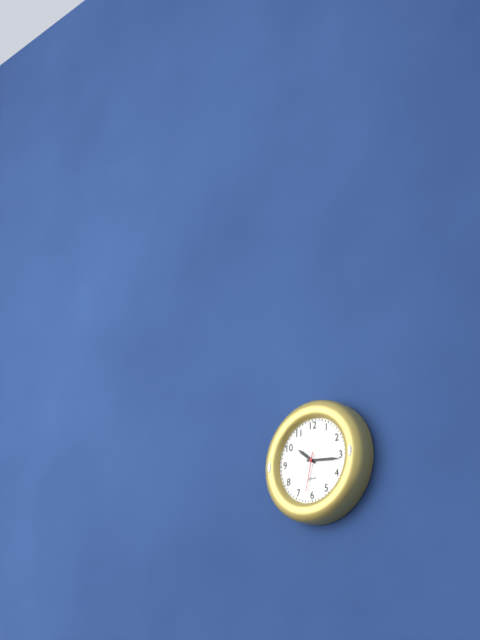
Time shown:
{"hour": 10, "minute": 16}
